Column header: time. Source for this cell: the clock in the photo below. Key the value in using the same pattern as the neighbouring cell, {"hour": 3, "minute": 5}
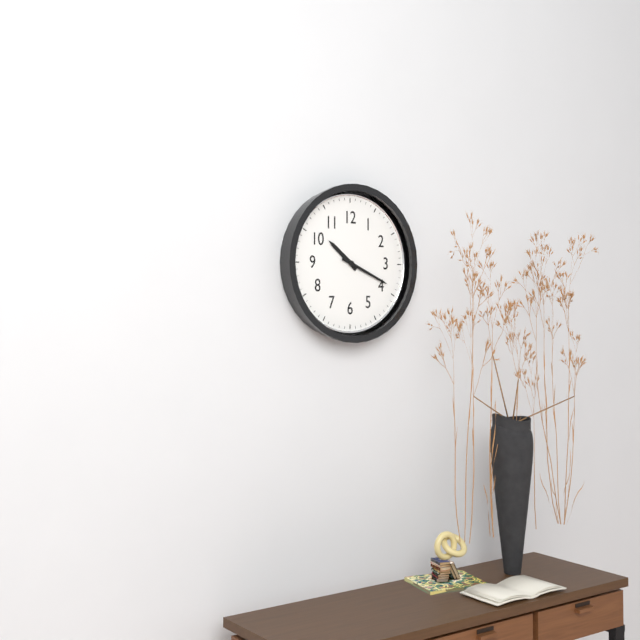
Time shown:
{"hour": 10, "minute": 19}
